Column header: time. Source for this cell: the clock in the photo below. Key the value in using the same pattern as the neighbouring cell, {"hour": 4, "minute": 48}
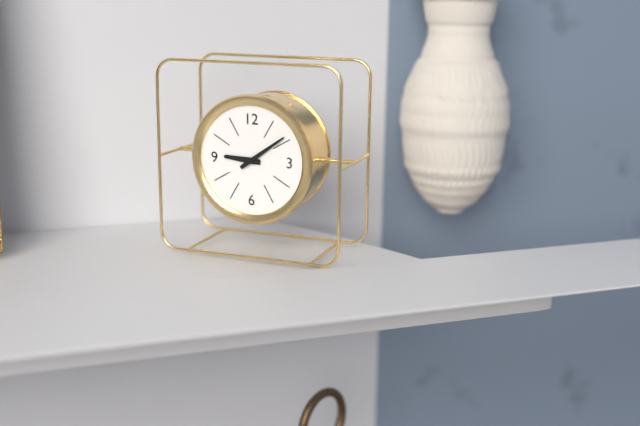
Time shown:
{"hour": 9, "minute": 9}
